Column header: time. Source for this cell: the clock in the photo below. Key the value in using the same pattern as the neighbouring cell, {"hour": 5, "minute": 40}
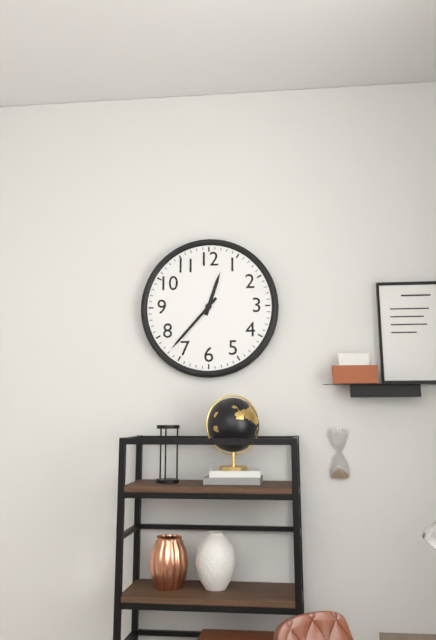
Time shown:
{"hour": 12, "minute": 37}
